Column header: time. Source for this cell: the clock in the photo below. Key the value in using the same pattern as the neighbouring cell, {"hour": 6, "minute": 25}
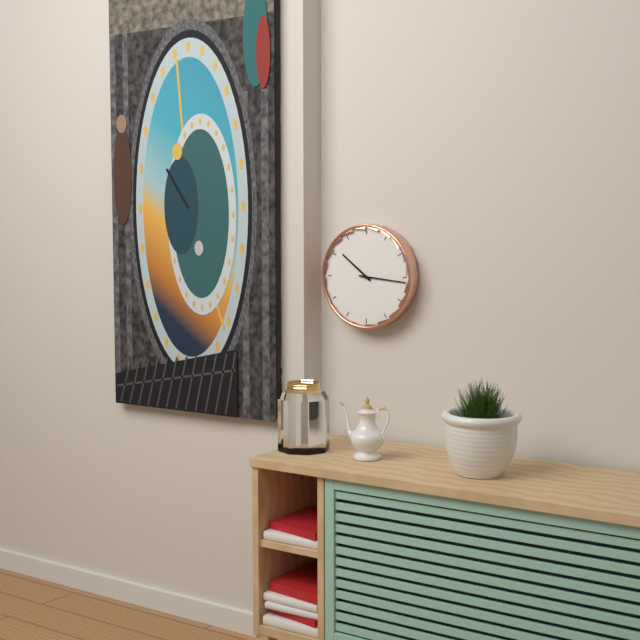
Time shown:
{"hour": 10, "minute": 16}
